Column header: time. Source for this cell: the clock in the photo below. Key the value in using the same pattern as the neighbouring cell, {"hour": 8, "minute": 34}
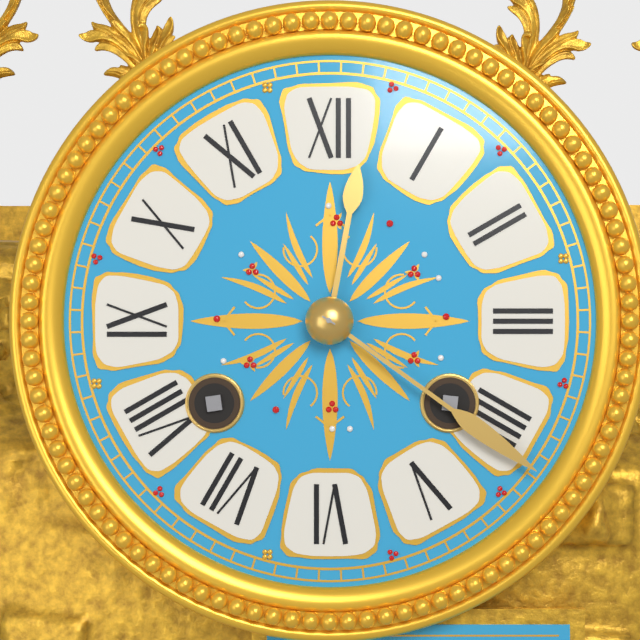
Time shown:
{"hour": 12, "minute": 21}
